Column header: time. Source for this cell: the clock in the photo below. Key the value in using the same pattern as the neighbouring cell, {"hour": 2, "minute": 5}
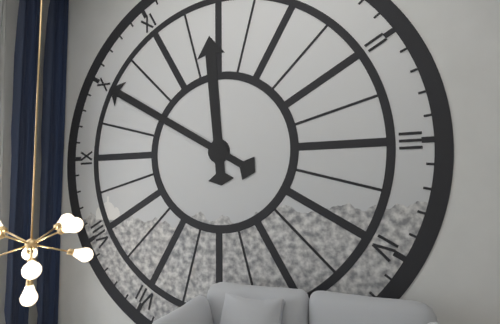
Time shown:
{"hour": 11, "minute": 50}
